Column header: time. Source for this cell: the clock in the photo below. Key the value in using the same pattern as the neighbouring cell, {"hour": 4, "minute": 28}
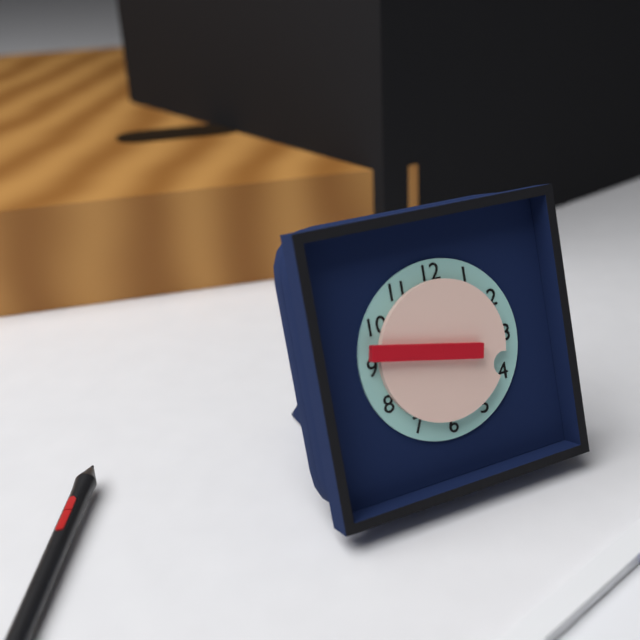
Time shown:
{"hour": 3, "minute": 47}
